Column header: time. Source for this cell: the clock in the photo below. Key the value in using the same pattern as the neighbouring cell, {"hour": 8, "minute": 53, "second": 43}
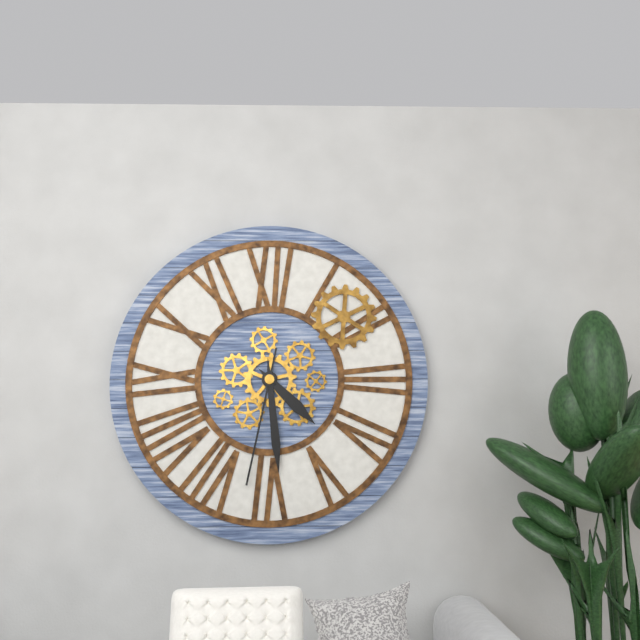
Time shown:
{"hour": 4, "minute": 29, "second": 32}
